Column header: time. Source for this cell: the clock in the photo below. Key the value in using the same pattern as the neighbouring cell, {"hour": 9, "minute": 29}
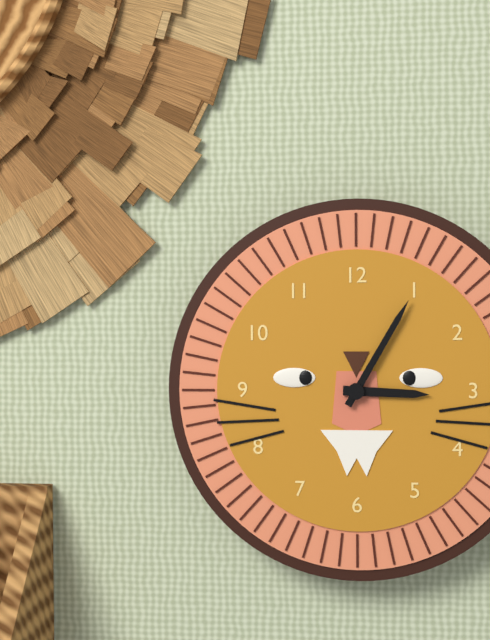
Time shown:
{"hour": 3, "minute": 5}
